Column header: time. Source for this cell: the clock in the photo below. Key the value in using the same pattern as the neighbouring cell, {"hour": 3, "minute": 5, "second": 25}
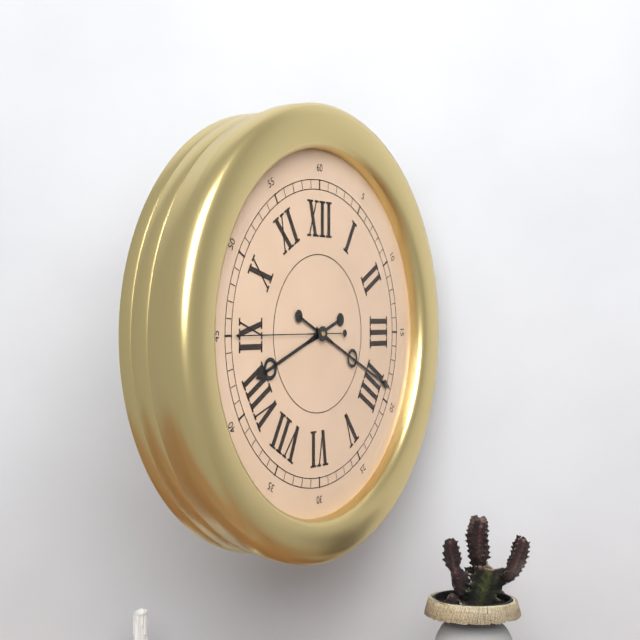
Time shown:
{"hour": 8, "minute": 19, "second": 45}
